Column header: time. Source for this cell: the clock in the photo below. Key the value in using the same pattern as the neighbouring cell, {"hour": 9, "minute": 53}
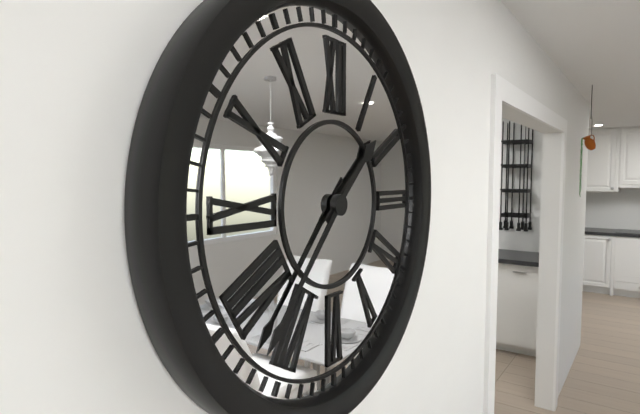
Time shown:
{"hour": 1, "minute": 37}
